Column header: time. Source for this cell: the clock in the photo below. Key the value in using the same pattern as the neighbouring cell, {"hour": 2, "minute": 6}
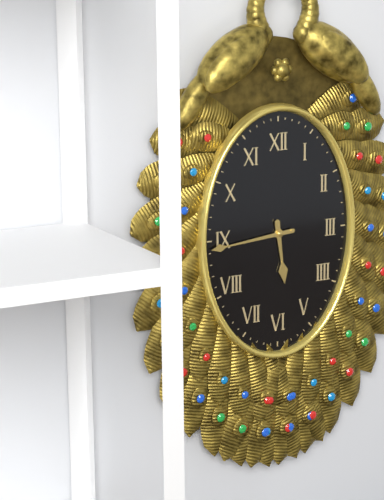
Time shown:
{"hour": 5, "minute": 44}
